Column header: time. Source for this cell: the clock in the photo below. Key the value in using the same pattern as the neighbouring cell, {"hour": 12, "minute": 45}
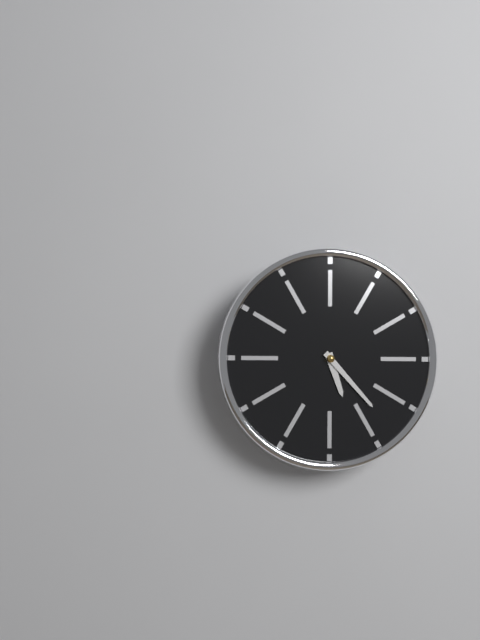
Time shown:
{"hour": 5, "minute": 23}
